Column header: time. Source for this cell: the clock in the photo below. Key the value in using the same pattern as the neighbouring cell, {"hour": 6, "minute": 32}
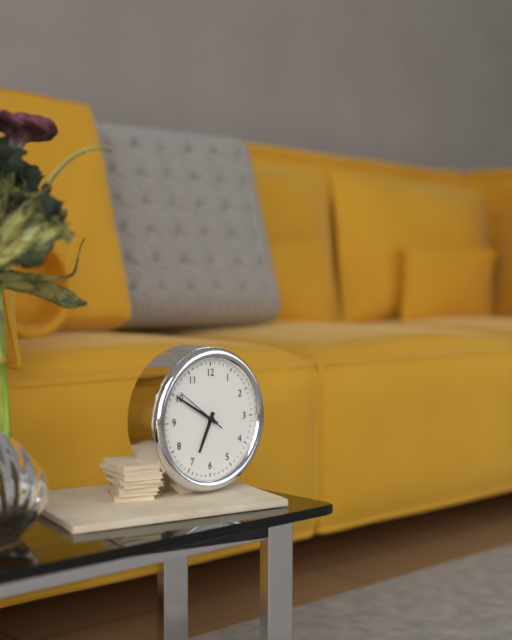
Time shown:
{"hour": 6, "minute": 50}
